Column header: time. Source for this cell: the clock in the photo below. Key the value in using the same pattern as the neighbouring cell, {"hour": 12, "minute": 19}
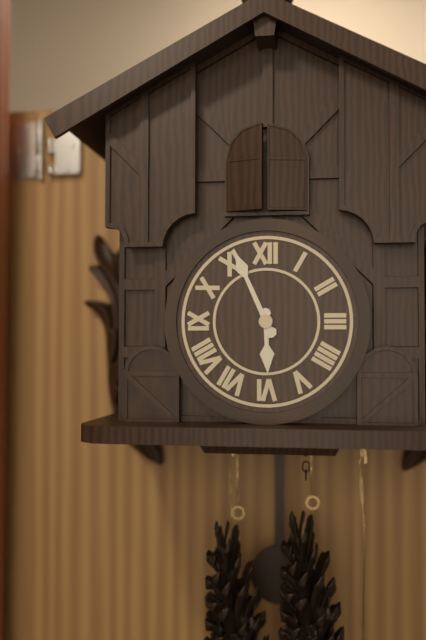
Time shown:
{"hour": 5, "minute": 56}
